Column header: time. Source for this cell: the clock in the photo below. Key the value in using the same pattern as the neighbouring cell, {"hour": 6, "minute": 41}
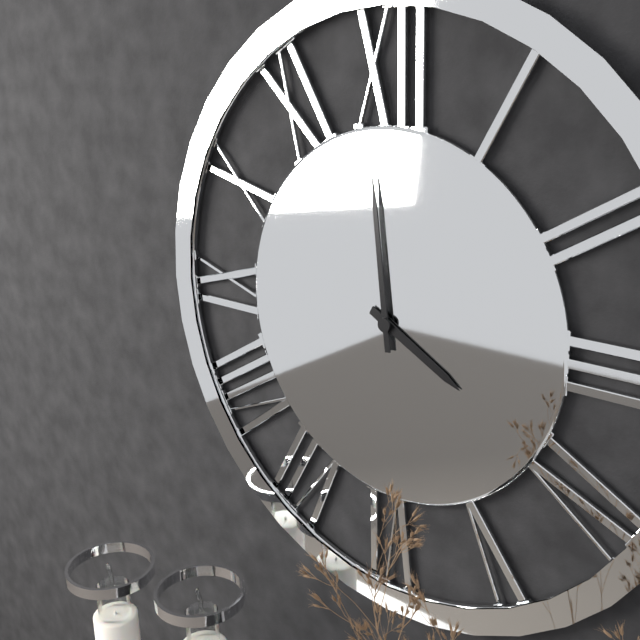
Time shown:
{"hour": 3, "minute": 59}
